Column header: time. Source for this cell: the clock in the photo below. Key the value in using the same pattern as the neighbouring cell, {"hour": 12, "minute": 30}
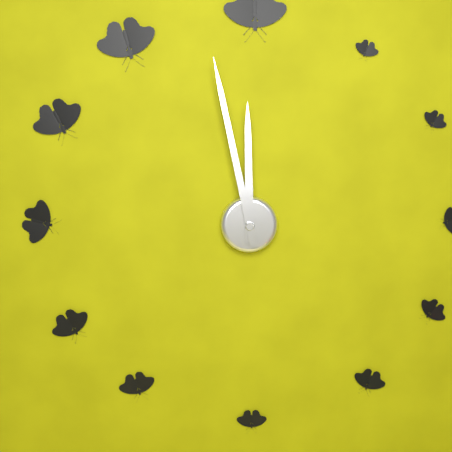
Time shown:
{"hour": 11, "minute": 58}
